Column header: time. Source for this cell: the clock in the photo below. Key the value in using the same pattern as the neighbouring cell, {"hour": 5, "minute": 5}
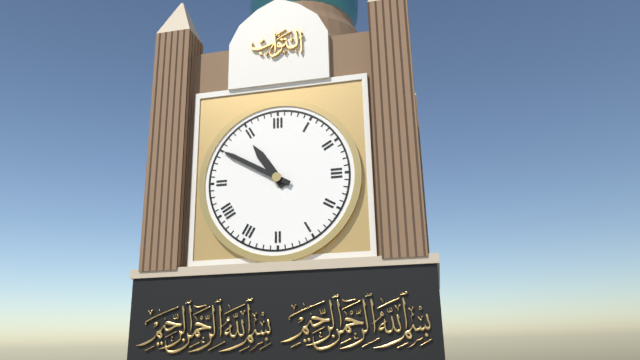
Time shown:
{"hour": 10, "minute": 50}
